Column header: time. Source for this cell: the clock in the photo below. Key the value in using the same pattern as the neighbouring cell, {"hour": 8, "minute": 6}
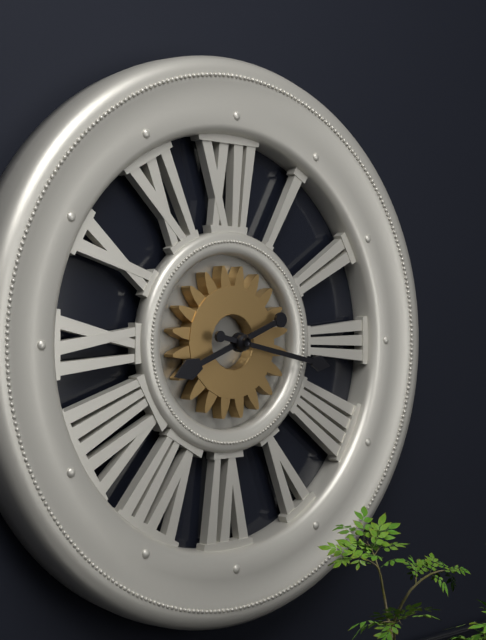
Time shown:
{"hour": 8, "minute": 17}
